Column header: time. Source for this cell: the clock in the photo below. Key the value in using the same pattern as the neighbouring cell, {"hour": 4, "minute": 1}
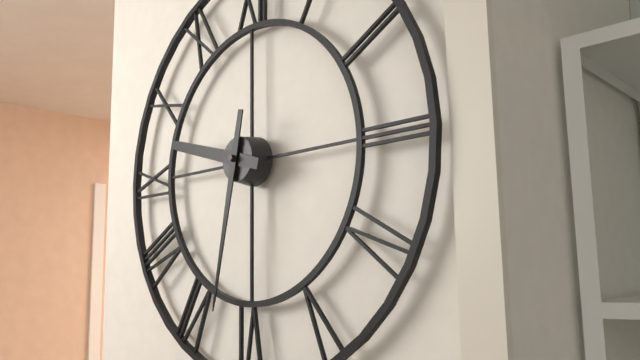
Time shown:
{"hour": 9, "minute": 32}
